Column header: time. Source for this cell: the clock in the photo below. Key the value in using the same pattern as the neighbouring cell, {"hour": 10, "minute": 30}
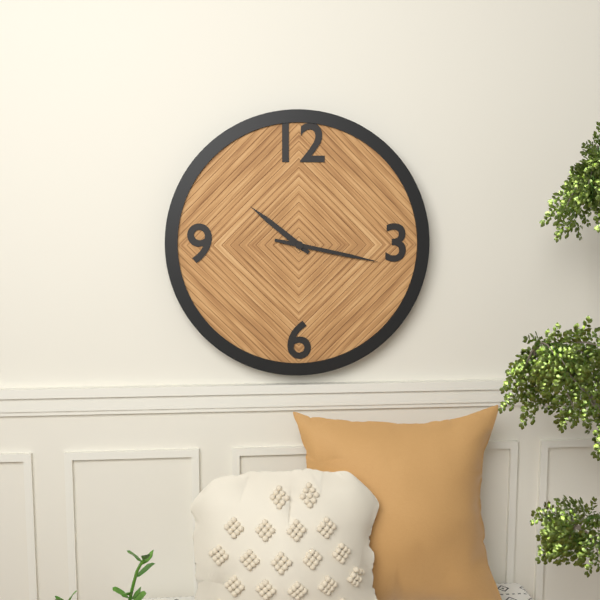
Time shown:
{"hour": 10, "minute": 17}
